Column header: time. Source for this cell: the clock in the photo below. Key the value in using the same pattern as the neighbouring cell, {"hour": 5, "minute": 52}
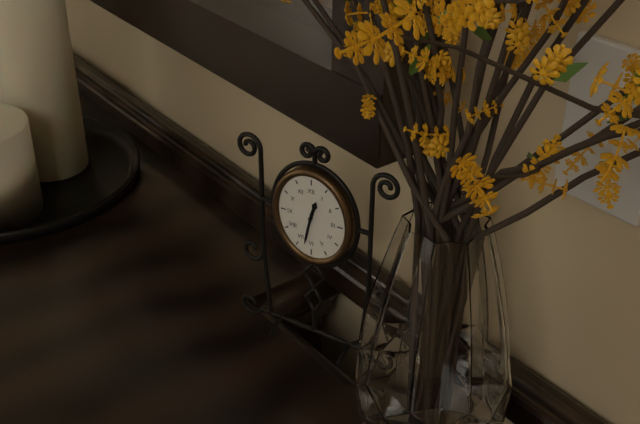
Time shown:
{"hour": 12, "minute": 32}
